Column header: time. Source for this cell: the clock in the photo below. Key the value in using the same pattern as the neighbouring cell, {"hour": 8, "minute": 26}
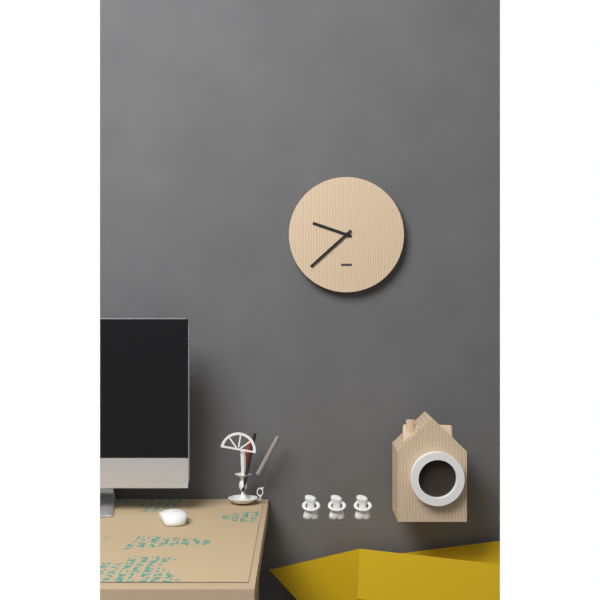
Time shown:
{"hour": 9, "minute": 38}
